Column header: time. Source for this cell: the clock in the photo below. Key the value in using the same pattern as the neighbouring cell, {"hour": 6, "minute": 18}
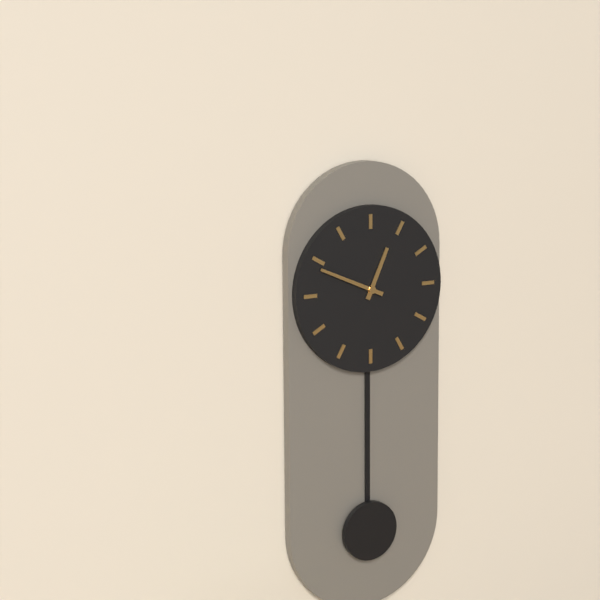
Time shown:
{"hour": 12, "minute": 49}
